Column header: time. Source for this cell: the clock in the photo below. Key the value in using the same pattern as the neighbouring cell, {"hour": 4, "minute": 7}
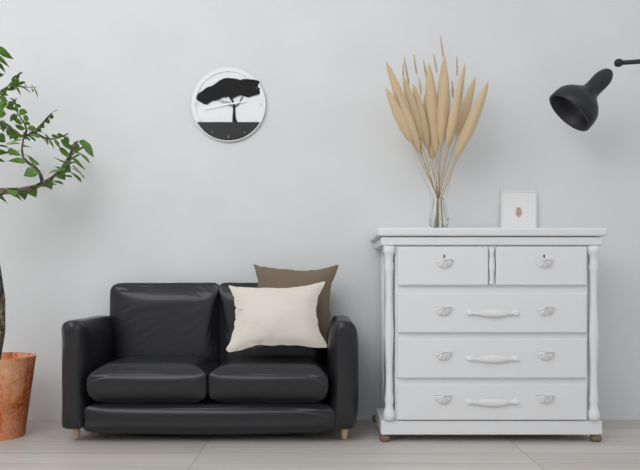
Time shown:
{"hour": 2, "minute": 43}
